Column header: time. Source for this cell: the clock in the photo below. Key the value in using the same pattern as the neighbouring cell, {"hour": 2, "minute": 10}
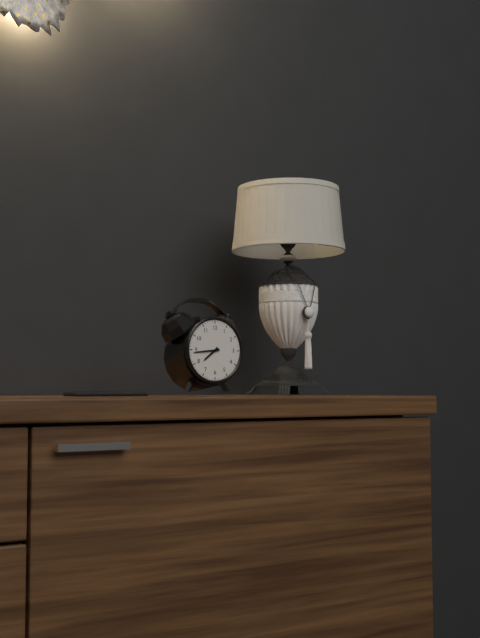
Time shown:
{"hour": 7, "minute": 44}
